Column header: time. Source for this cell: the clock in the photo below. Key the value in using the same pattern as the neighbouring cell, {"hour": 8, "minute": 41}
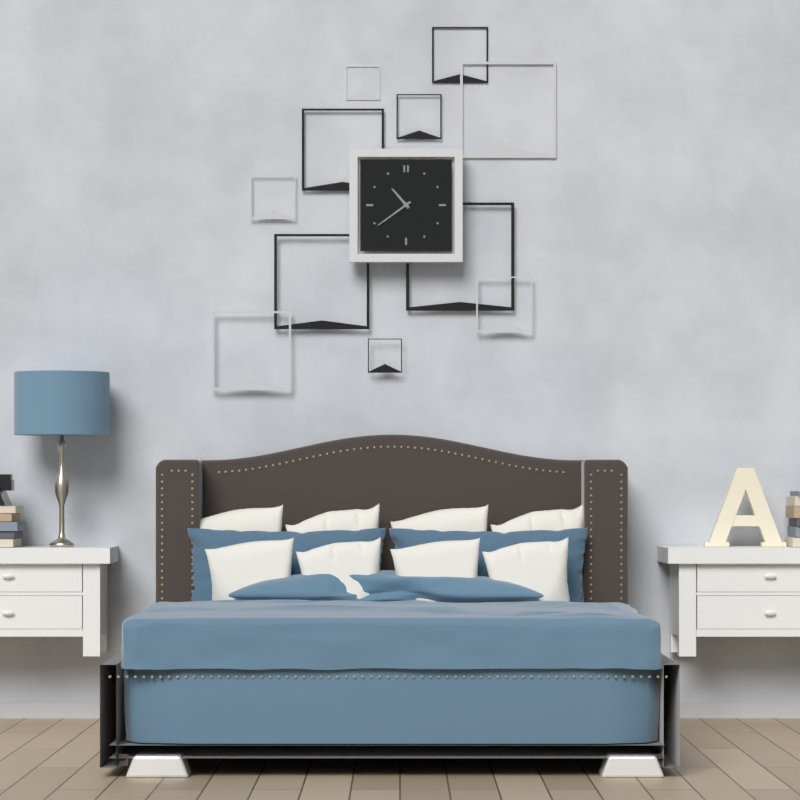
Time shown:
{"hour": 10, "minute": 39}
